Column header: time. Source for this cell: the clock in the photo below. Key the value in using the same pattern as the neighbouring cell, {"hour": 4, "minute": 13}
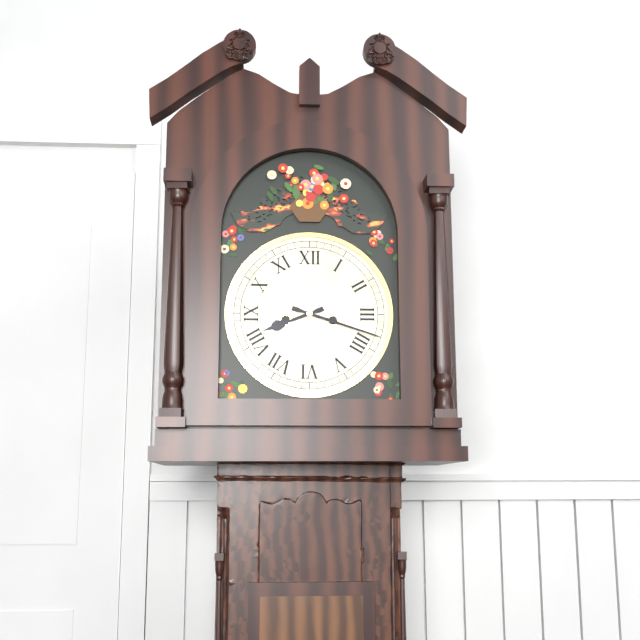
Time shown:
{"hour": 8, "minute": 18}
